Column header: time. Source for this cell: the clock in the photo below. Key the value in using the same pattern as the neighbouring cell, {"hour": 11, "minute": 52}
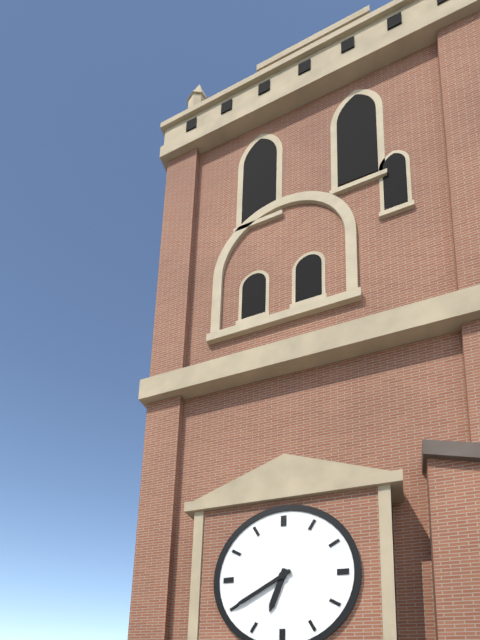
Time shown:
{"hour": 6, "minute": 40}
